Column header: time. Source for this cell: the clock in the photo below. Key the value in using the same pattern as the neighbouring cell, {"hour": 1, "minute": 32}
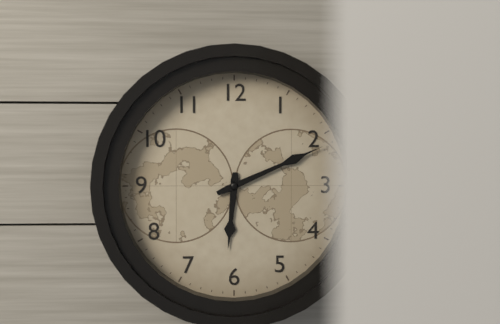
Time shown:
{"hour": 6, "minute": 11}
